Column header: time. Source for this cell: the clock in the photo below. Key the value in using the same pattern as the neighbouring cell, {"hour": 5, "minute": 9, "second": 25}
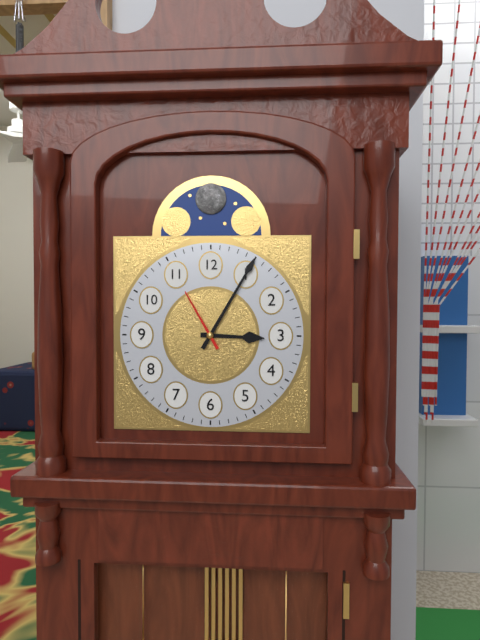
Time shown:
{"hour": 3, "minute": 5, "second": 55}
